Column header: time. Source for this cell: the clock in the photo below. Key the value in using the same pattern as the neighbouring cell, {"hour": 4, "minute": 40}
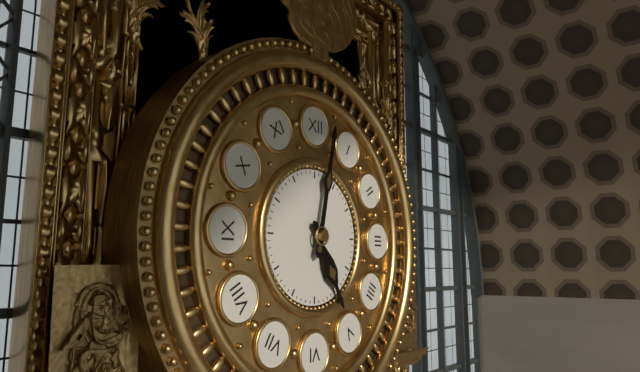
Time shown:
{"hour": 5, "minute": 2}
